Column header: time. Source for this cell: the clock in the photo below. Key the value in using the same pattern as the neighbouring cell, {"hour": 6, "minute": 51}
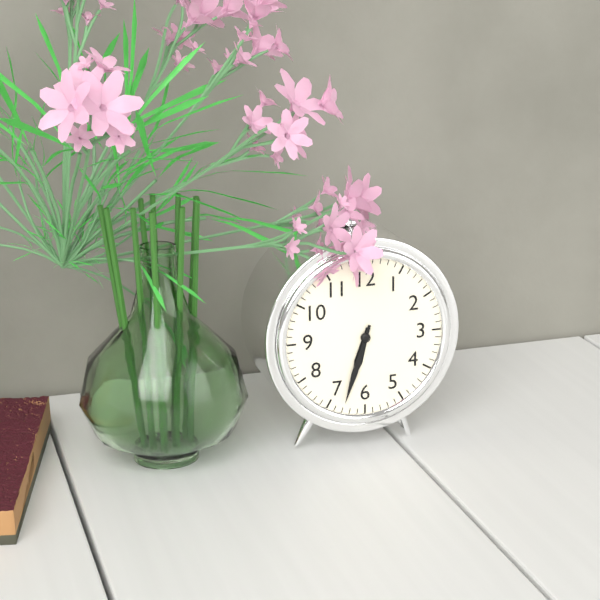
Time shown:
{"hour": 6, "minute": 33}
